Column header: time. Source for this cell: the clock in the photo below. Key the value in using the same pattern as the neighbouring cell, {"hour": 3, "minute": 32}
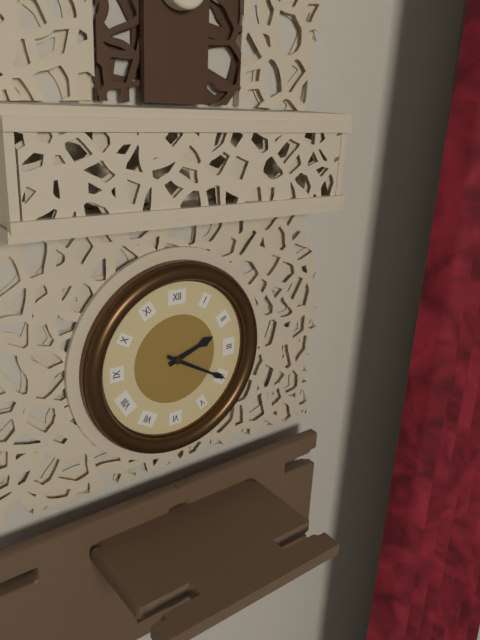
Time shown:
{"hour": 2, "minute": 20}
